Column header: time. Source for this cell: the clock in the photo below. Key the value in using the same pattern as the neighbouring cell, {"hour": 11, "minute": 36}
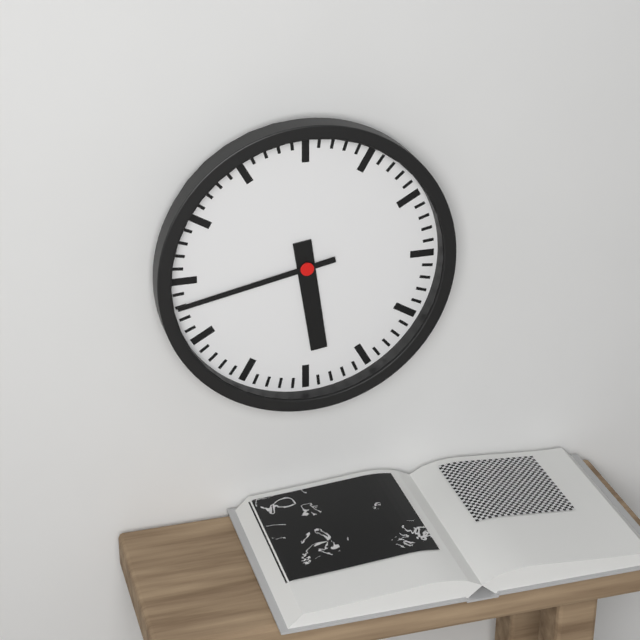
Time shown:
{"hour": 5, "minute": 43}
